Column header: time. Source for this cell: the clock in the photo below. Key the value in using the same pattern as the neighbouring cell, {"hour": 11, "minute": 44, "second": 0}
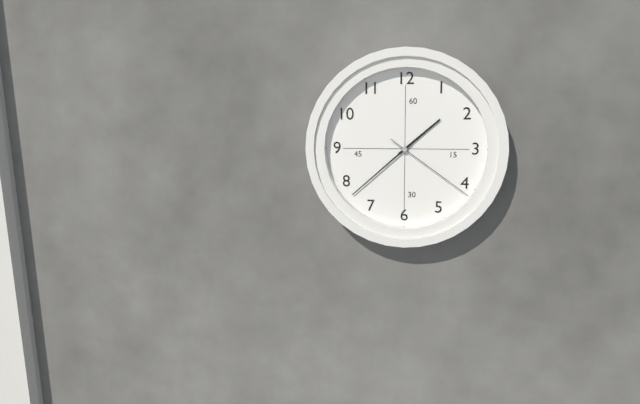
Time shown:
{"hour": 1, "minute": 38, "second": 21}
